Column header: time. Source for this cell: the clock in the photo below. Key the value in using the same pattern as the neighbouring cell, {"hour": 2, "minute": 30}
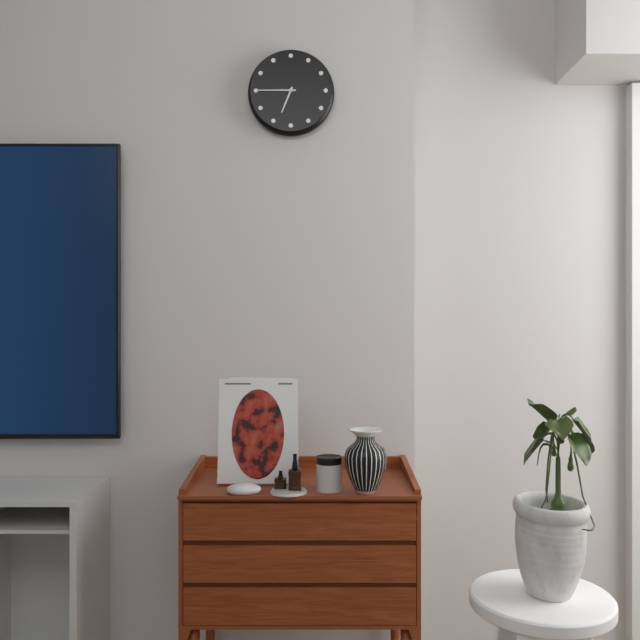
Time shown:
{"hour": 6, "minute": 45}
